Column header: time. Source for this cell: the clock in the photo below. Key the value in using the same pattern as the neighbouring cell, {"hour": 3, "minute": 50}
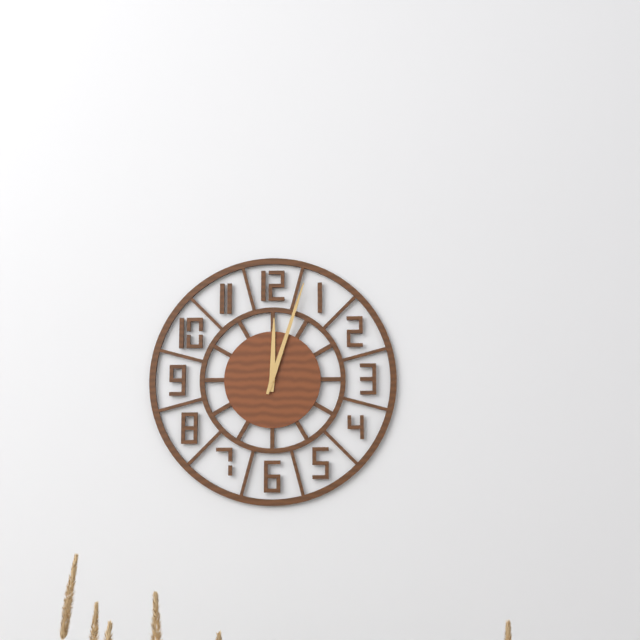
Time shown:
{"hour": 12, "minute": 3}
